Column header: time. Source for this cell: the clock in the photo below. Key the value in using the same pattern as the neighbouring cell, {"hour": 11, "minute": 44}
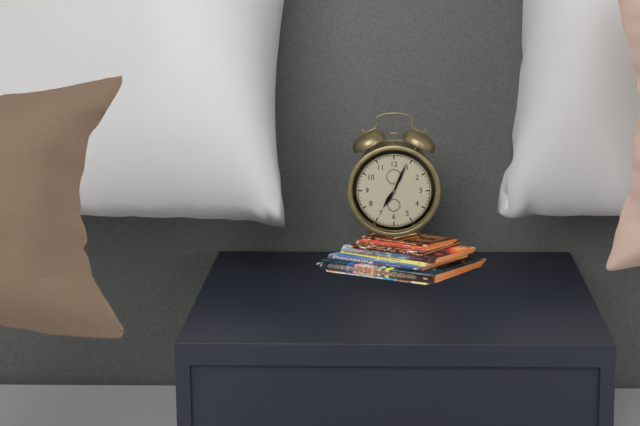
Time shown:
{"hour": 7, "minute": 4}
